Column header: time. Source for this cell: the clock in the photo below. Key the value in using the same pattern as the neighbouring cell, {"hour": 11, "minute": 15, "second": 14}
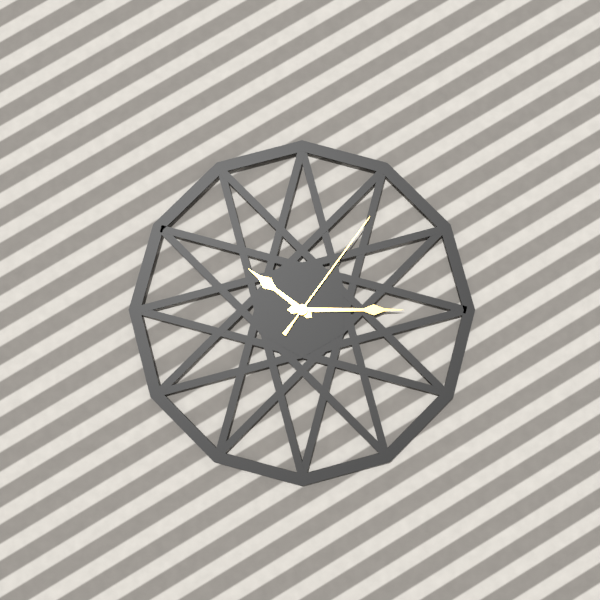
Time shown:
{"hour": 10, "minute": 15, "second": 6}
